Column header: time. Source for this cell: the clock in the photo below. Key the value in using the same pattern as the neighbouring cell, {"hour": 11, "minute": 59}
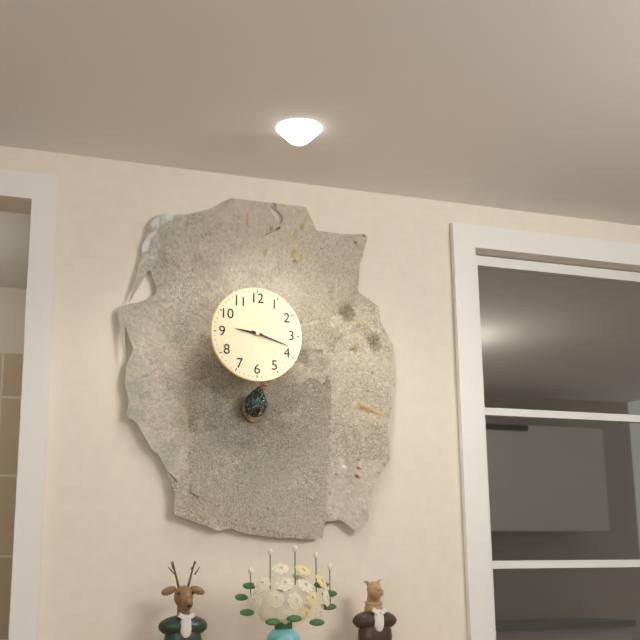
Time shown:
{"hour": 9, "minute": 18}
